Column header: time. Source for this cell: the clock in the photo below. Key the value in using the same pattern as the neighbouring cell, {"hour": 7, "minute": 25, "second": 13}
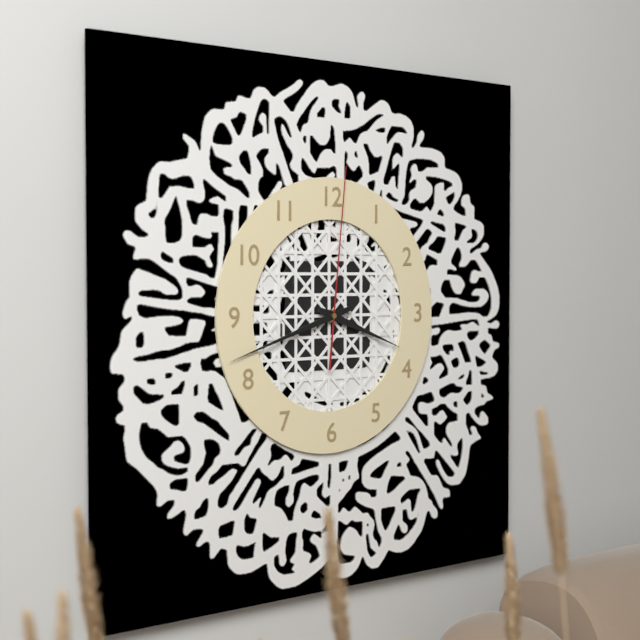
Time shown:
{"hour": 3, "minute": 42, "second": 1}
